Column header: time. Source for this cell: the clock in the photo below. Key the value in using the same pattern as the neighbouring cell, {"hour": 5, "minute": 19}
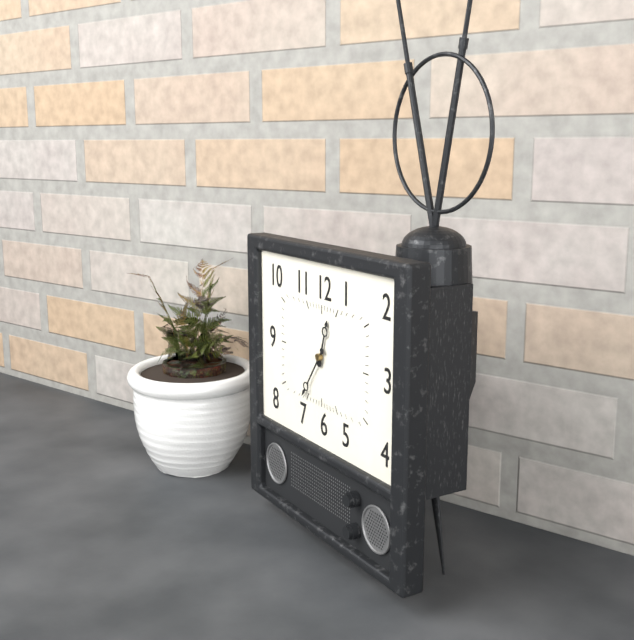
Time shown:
{"hour": 12, "minute": 36}
